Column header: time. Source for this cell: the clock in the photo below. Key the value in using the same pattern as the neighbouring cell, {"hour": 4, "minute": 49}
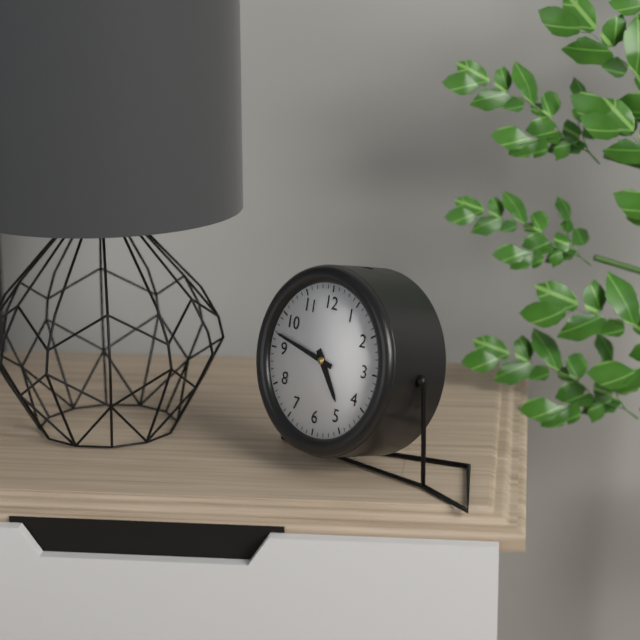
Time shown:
{"hour": 4, "minute": 47}
